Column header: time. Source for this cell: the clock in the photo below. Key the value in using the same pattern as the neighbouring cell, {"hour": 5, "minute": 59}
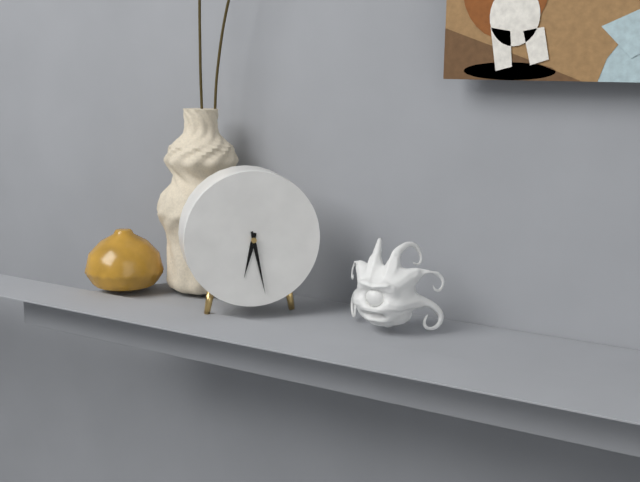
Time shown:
{"hour": 6, "minute": 28}
